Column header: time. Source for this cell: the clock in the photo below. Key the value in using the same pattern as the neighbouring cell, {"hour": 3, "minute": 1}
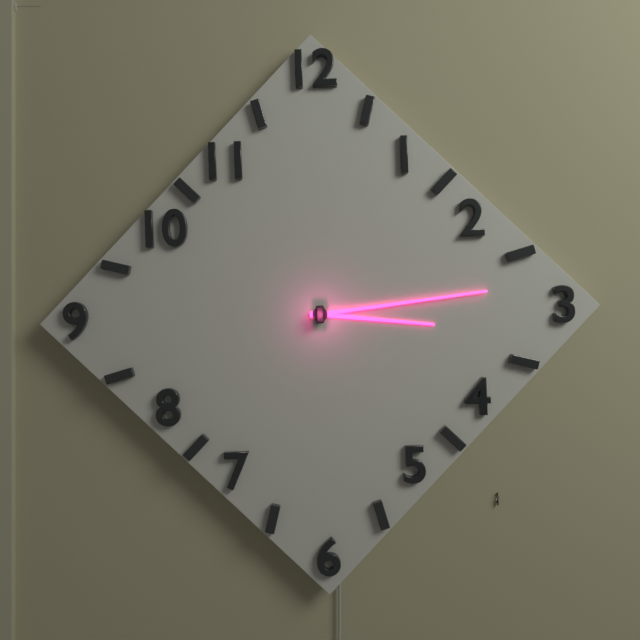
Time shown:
{"hour": 3, "minute": 14}
